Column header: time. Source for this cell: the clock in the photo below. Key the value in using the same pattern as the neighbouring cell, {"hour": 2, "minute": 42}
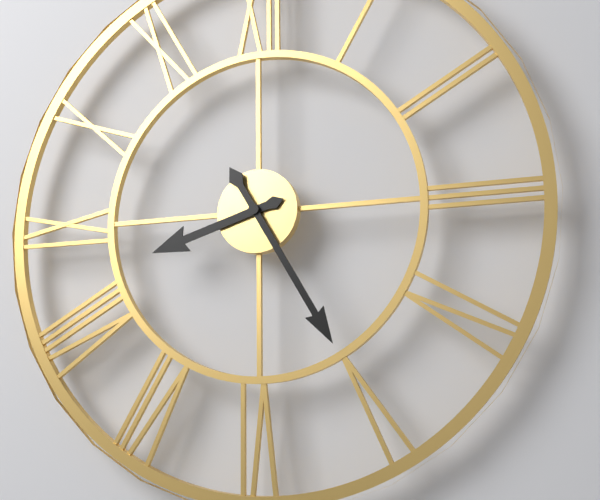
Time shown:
{"hour": 8, "minute": 25}
